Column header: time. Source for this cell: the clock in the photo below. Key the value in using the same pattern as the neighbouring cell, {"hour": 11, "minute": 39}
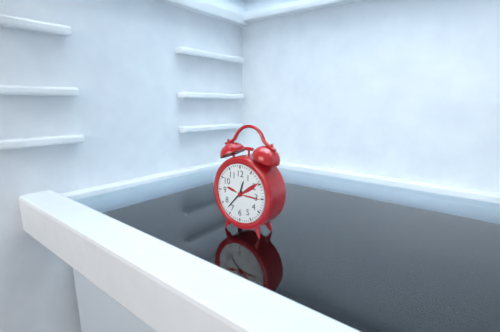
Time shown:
{"hour": 12, "minute": 37}
